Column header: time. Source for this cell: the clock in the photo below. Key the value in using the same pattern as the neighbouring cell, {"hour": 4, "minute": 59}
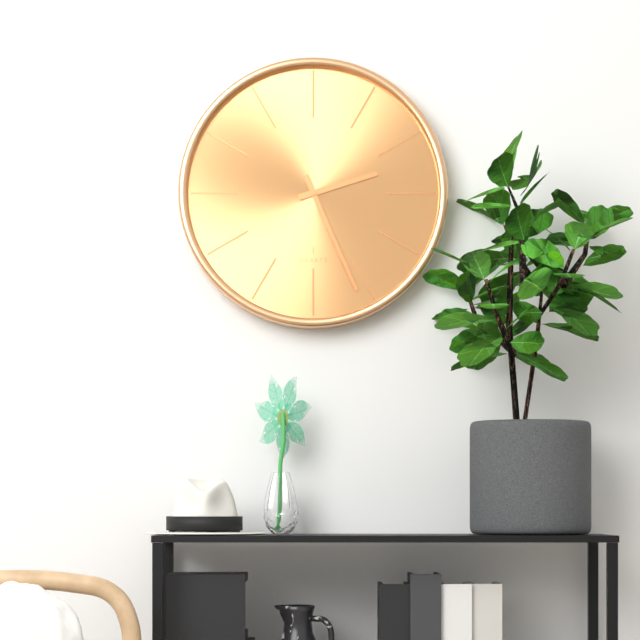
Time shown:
{"hour": 2, "minute": 26}
